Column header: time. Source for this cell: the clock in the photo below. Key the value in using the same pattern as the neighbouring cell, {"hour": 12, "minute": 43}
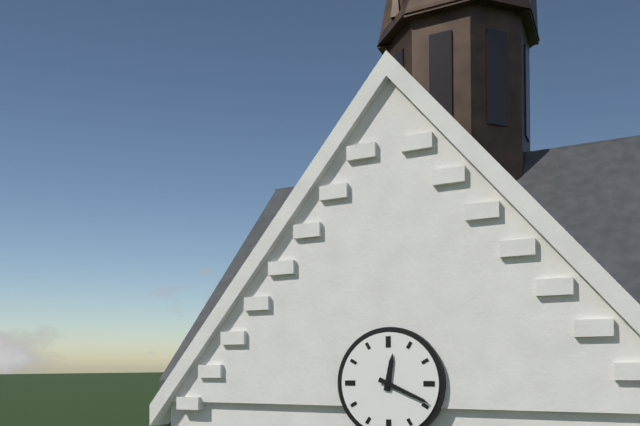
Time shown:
{"hour": 12, "minute": 19}
